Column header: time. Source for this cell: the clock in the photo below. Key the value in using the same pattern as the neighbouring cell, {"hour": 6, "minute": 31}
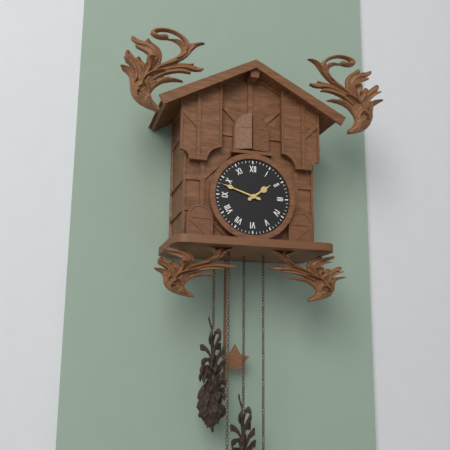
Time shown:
{"hour": 1, "minute": 48}
